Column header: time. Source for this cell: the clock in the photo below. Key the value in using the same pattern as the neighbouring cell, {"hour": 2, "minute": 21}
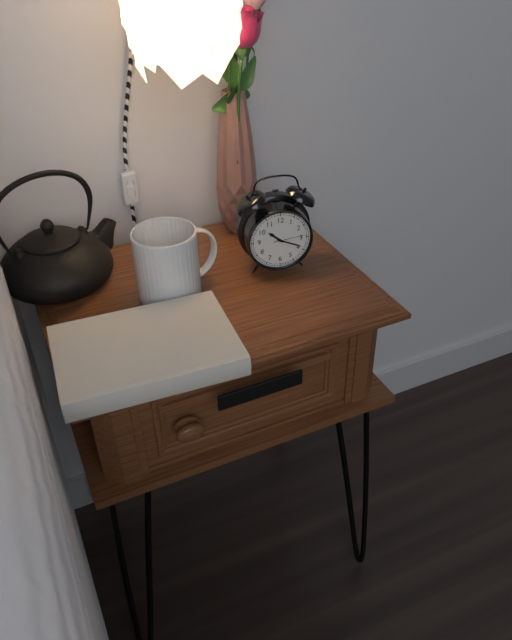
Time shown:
{"hour": 10, "minute": 19}
